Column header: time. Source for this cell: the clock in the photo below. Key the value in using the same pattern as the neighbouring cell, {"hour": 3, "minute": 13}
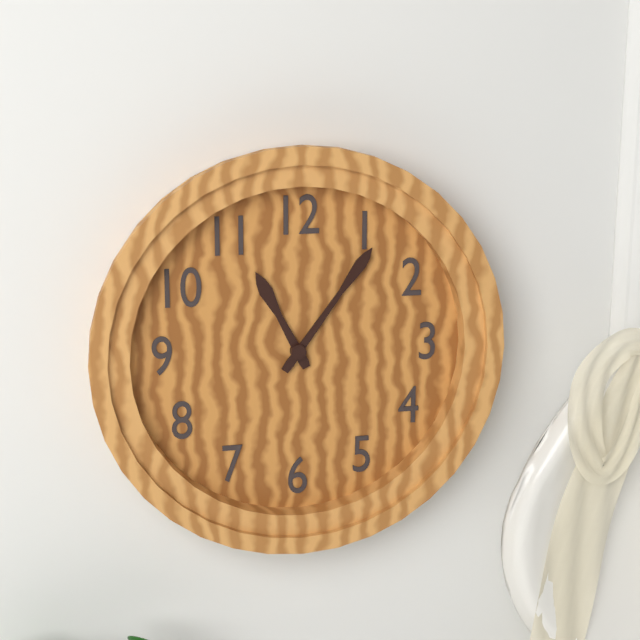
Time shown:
{"hour": 11, "minute": 6}
